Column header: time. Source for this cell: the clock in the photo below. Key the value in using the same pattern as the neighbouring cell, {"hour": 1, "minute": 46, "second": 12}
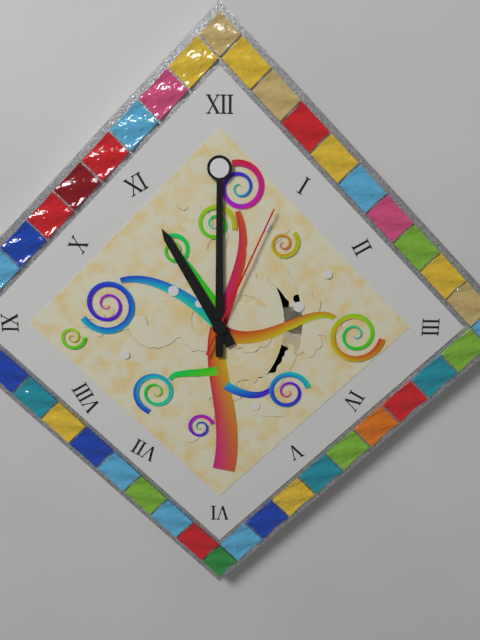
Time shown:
{"hour": 11, "minute": 0, "second": 4}
